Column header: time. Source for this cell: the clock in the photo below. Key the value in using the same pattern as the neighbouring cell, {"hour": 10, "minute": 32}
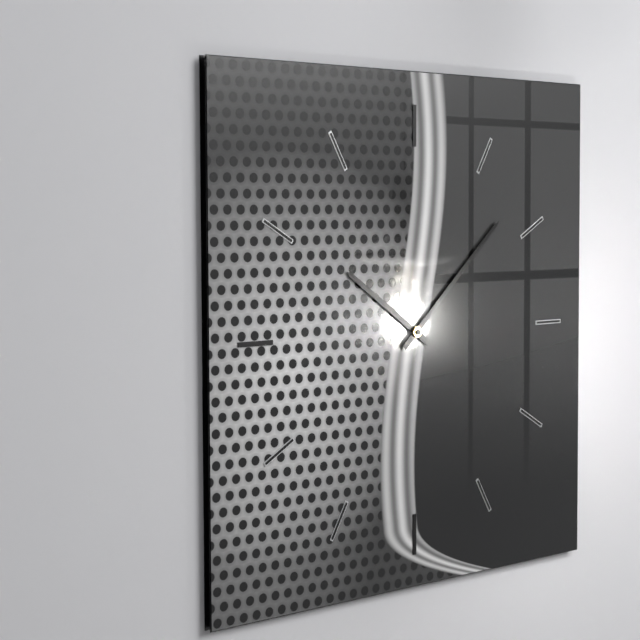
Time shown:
{"hour": 10, "minute": 8}
